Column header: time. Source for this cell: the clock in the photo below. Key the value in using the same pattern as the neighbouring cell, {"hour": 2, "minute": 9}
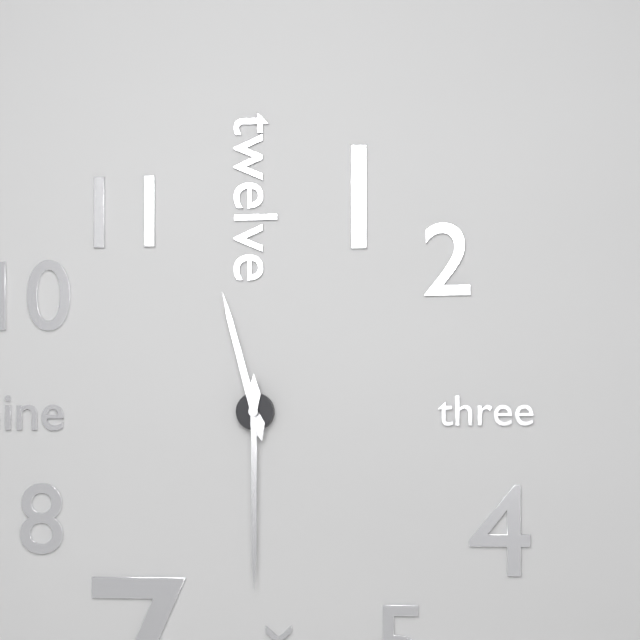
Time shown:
{"hour": 11, "minute": 30}
